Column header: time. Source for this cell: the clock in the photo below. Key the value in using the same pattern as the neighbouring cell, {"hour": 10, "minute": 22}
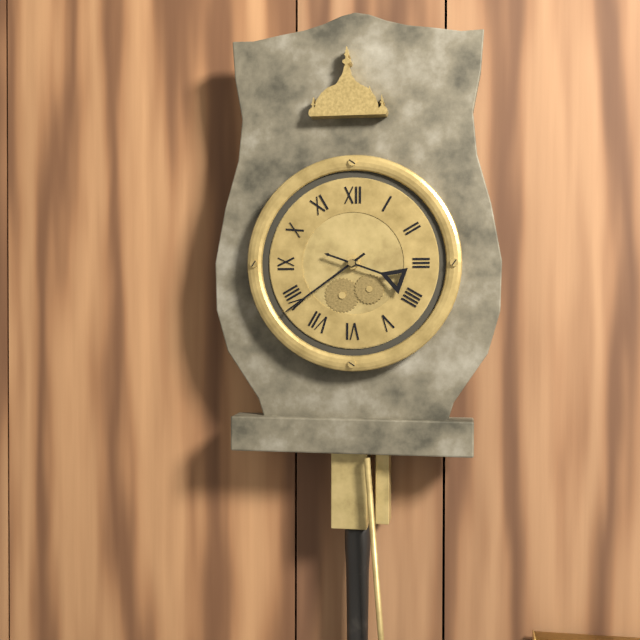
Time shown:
{"hour": 3, "minute": 39}
